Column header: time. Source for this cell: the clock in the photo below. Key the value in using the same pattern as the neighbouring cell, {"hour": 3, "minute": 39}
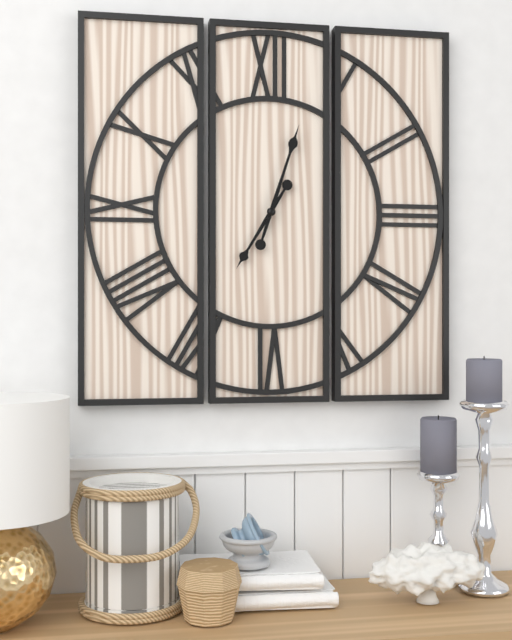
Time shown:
{"hour": 7, "minute": 3}
